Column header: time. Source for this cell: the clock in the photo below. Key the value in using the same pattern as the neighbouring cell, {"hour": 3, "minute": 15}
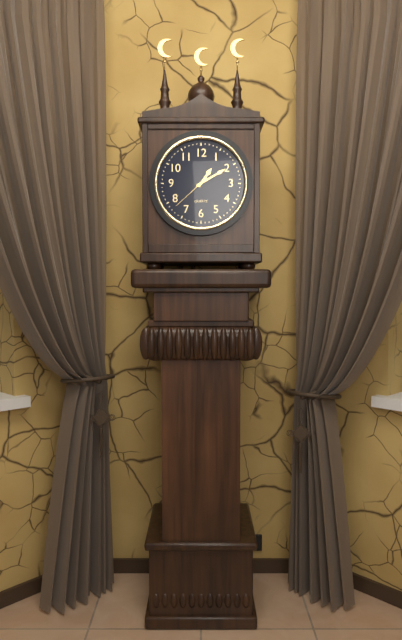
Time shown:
{"hour": 1, "minute": 10}
